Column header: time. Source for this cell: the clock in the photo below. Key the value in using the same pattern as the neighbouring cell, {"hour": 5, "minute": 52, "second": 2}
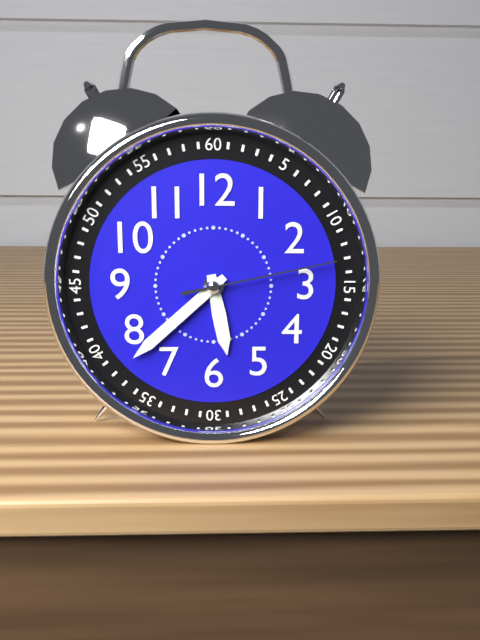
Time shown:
{"hour": 5, "minute": 38, "second": 13}
